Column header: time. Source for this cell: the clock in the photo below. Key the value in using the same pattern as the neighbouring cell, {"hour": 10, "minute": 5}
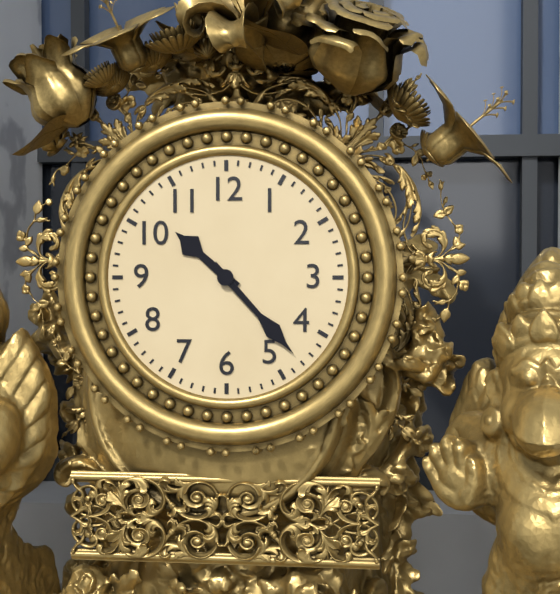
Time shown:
{"hour": 10, "minute": 23}
